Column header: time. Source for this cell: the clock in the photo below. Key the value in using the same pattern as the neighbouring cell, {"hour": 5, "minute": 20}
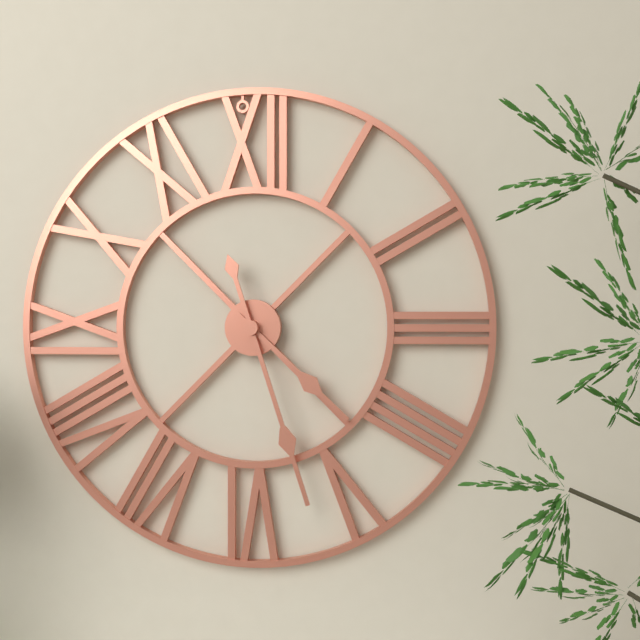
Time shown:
{"hour": 4, "minute": 27}
